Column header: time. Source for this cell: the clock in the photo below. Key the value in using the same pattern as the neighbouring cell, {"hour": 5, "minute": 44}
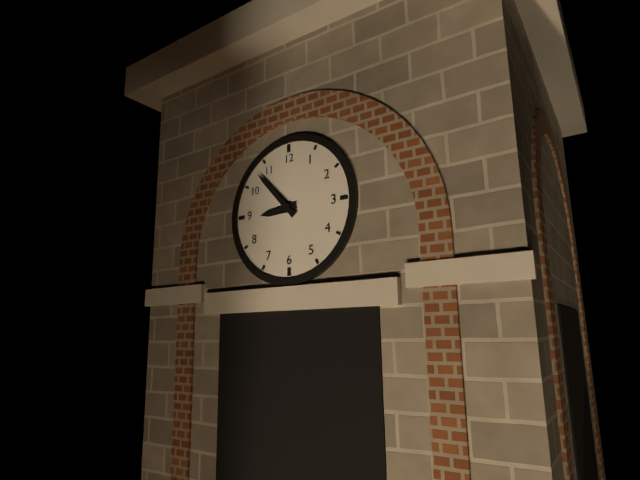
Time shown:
{"hour": 8, "minute": 53}
